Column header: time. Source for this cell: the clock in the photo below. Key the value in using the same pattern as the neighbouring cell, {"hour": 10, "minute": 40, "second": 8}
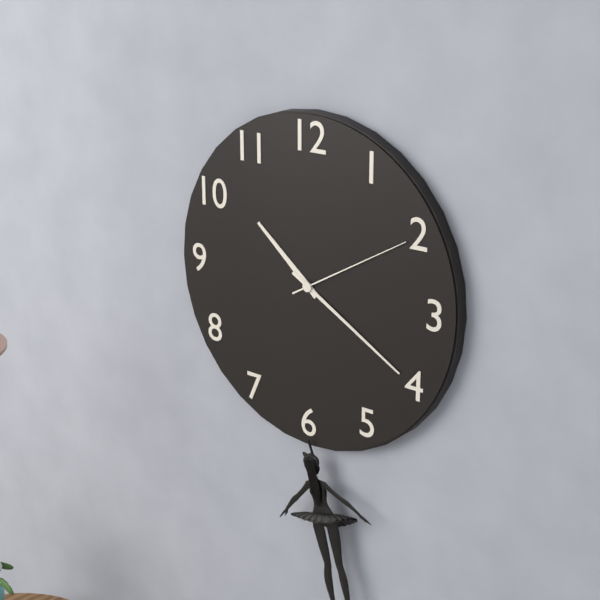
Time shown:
{"hour": 10, "minute": 20, "second": 10}
